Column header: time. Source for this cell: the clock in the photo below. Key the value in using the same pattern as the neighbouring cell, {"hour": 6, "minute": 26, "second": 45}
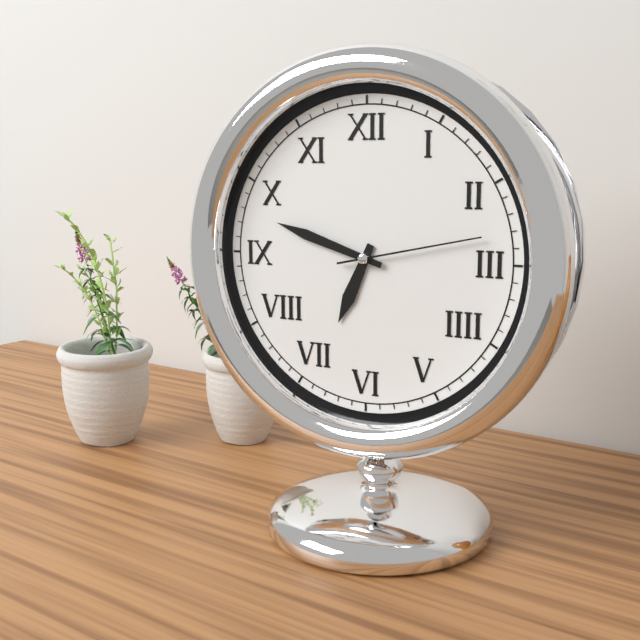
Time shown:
{"hour": 6, "minute": 48, "second": 13}
